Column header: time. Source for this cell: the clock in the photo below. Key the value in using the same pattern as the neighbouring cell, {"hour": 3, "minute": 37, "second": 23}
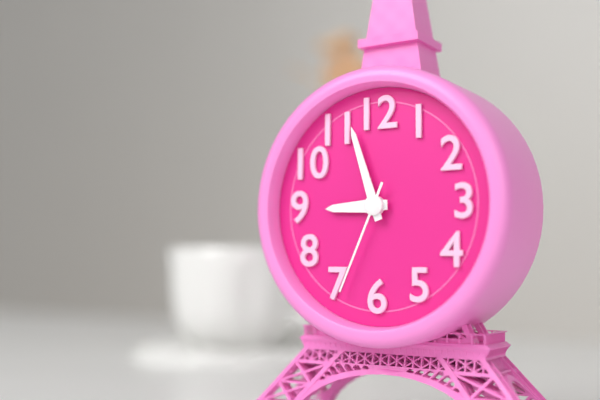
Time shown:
{"hour": 8, "minute": 57, "second": 34}
